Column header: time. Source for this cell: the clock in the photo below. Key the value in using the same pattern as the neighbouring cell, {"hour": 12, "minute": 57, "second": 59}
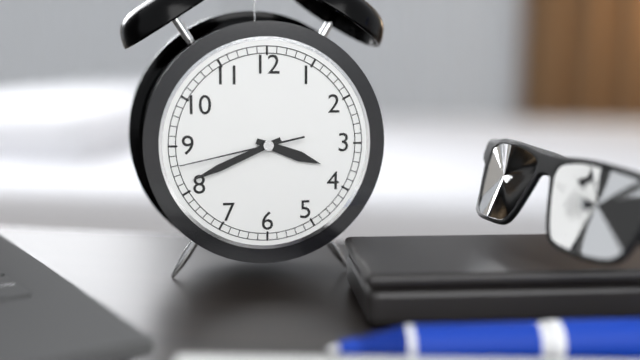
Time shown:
{"hour": 3, "minute": 41, "second": 43}
